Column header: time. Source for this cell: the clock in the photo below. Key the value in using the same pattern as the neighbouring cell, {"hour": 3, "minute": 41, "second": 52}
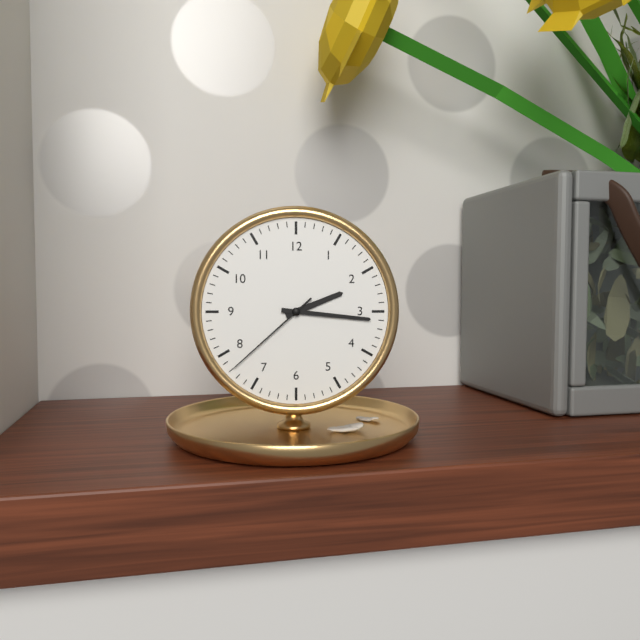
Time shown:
{"hour": 2, "minute": 16, "second": 38}
